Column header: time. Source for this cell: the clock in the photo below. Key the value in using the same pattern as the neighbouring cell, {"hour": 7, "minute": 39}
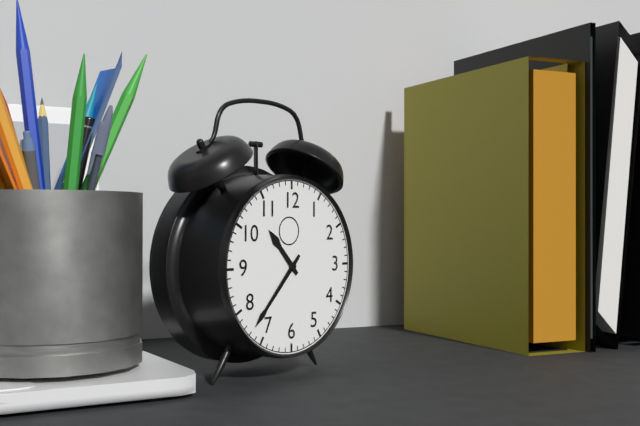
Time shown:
{"hour": 10, "minute": 37}
